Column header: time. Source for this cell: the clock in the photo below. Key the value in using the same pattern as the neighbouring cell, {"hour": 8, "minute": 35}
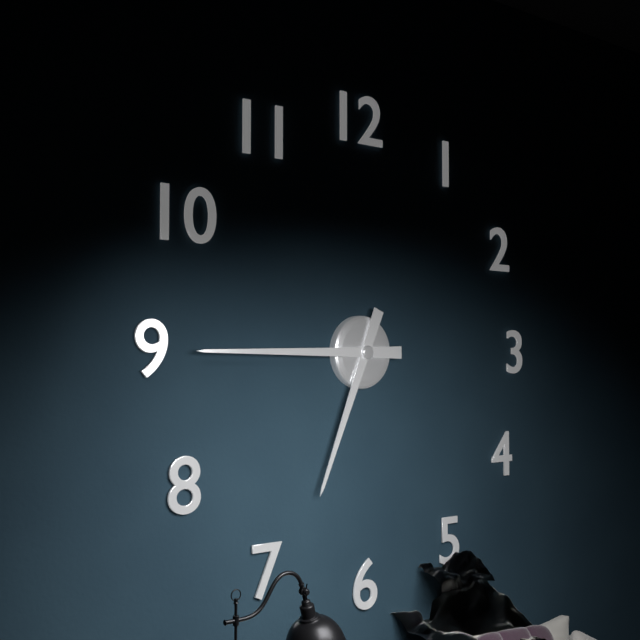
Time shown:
{"hour": 6, "minute": 45}
